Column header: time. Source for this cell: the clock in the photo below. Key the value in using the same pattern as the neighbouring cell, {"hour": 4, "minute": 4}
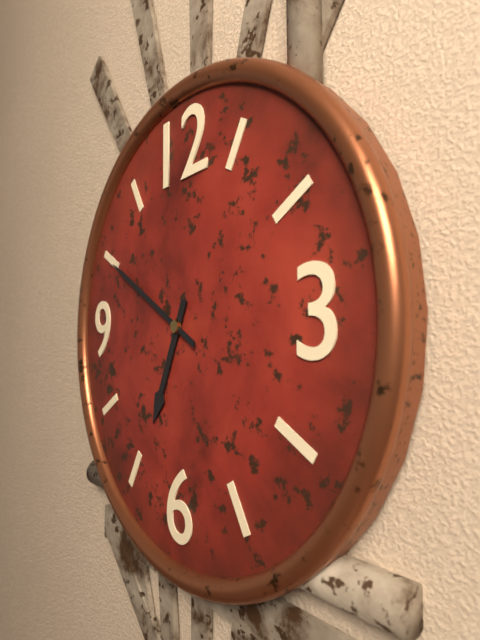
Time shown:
{"hour": 6, "minute": 50}
